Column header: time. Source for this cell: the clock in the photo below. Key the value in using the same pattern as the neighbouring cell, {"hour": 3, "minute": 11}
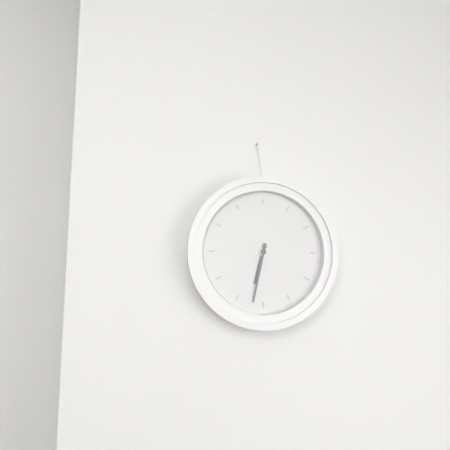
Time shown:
{"hour": 6, "minute": 32}
